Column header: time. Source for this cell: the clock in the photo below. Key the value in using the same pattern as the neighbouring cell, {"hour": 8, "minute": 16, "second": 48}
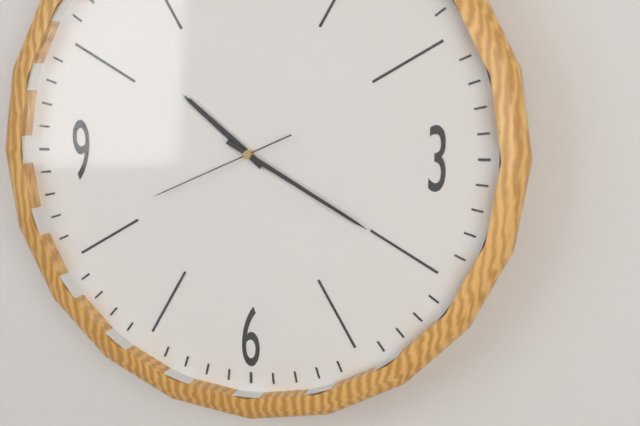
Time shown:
{"hour": 10, "minute": 20, "second": 41}
